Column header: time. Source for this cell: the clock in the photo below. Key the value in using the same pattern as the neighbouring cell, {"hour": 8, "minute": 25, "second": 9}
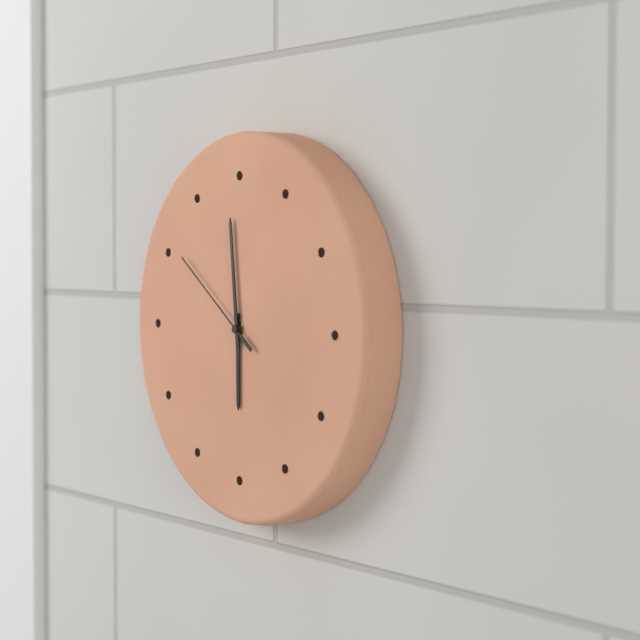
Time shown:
{"hour": 5, "minute": 59, "second": 51}
